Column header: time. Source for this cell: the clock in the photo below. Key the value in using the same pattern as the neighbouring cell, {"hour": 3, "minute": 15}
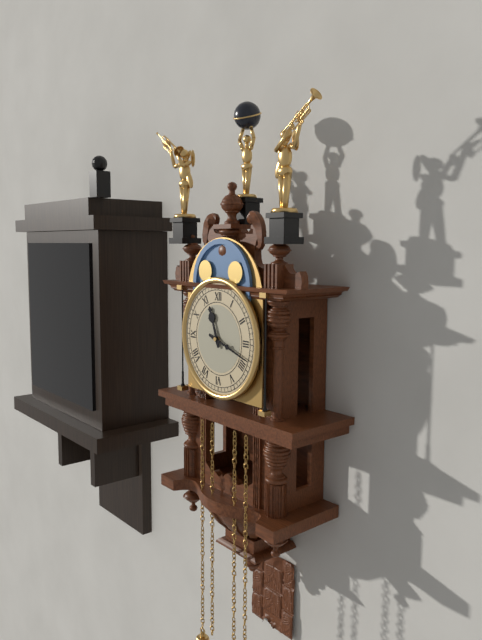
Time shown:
{"hour": 11, "minute": 18}
